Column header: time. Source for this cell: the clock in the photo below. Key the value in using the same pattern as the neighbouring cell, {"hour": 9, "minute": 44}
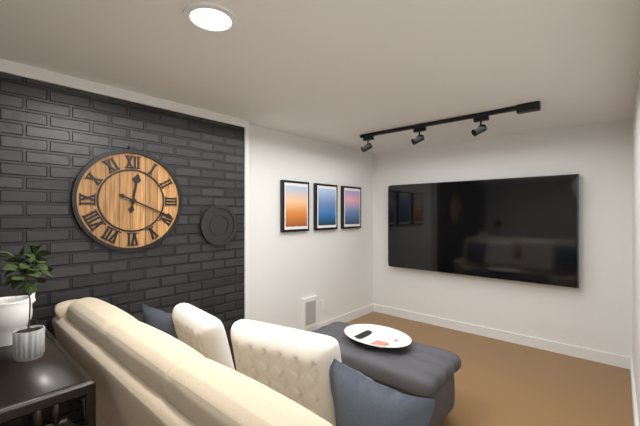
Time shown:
{"hour": 12, "minute": 19}
